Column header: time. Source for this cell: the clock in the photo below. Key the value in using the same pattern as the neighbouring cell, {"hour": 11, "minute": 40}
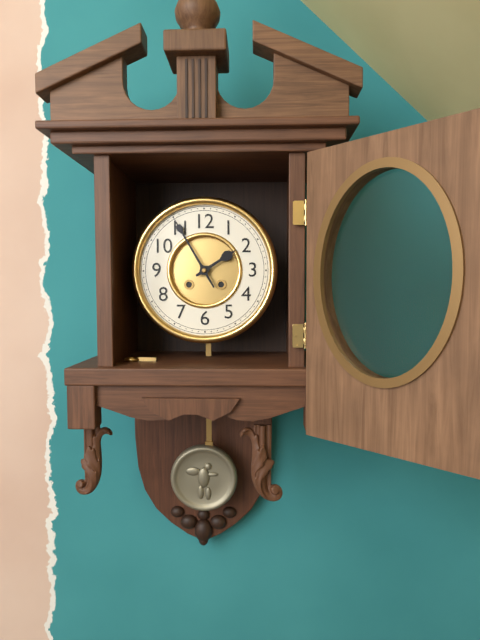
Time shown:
{"hour": 1, "minute": 55}
